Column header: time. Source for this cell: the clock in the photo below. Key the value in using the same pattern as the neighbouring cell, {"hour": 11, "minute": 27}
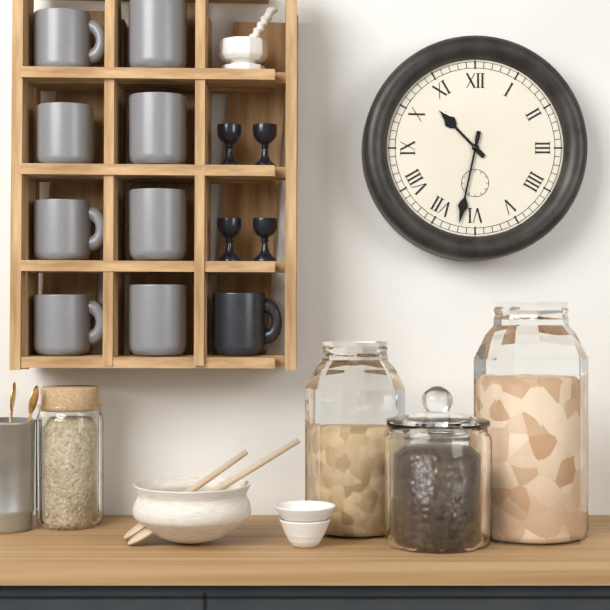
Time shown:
{"hour": 10, "minute": 32}
